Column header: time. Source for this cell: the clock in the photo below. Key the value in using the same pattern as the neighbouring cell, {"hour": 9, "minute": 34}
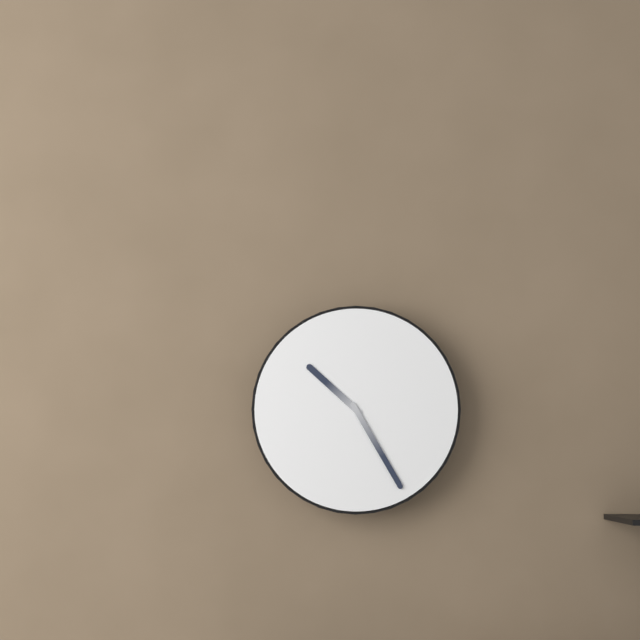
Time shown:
{"hour": 10, "minute": 25}
